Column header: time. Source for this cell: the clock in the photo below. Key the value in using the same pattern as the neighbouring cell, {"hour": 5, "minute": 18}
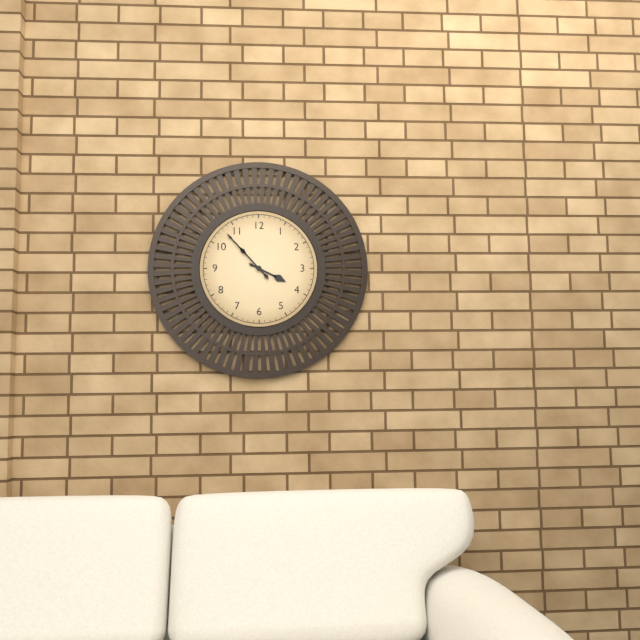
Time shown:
{"hour": 3, "minute": 53}
